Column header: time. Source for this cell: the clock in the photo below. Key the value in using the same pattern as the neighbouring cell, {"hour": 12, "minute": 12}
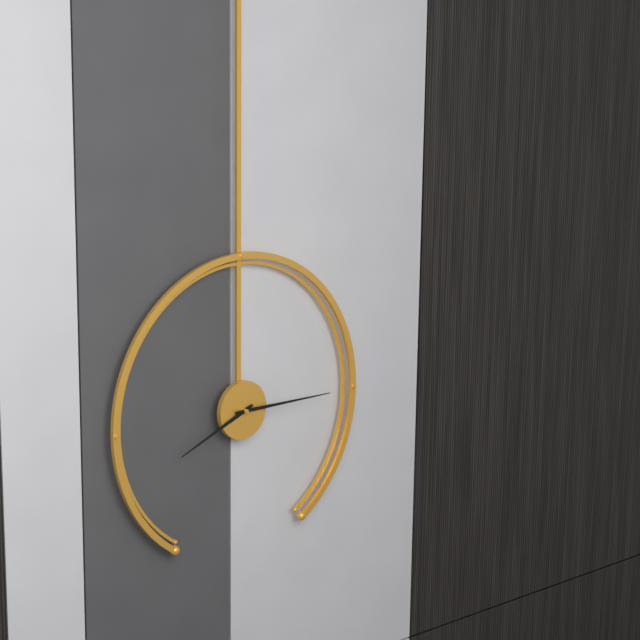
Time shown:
{"hour": 8, "minute": 15}
